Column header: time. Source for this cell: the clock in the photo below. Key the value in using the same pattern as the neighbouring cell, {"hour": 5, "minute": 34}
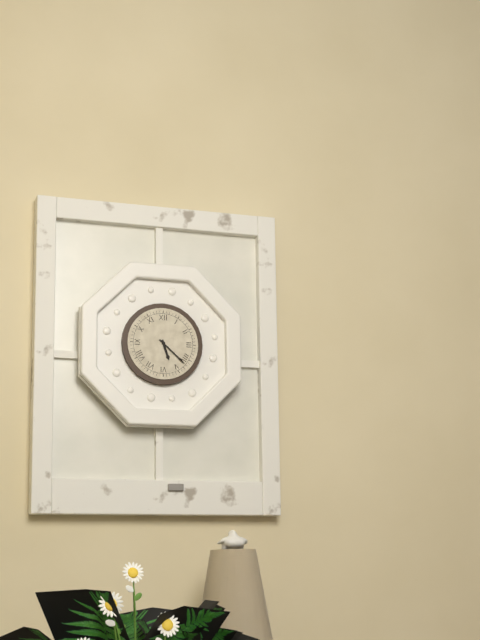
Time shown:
{"hour": 5, "minute": 22}
